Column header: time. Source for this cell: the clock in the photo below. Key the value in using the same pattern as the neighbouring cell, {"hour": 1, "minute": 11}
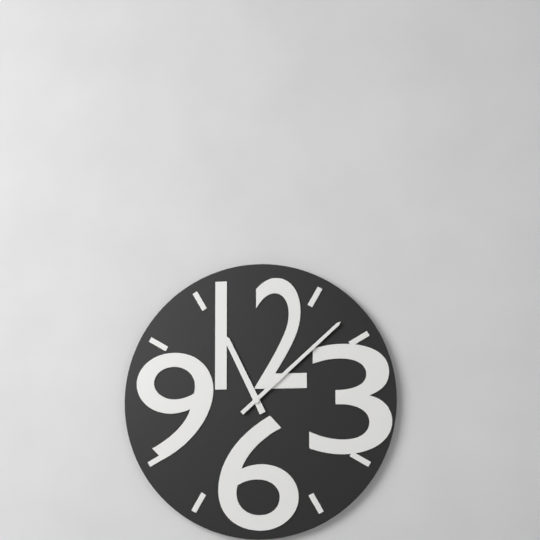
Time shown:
{"hour": 11, "minute": 8}
